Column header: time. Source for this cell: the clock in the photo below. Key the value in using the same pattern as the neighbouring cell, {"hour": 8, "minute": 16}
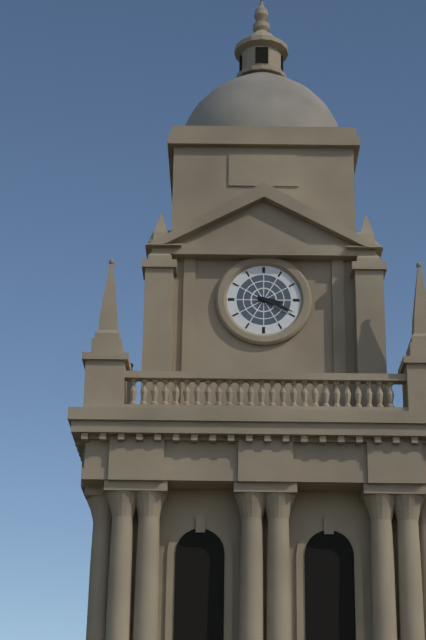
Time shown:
{"hour": 3, "minute": 19}
